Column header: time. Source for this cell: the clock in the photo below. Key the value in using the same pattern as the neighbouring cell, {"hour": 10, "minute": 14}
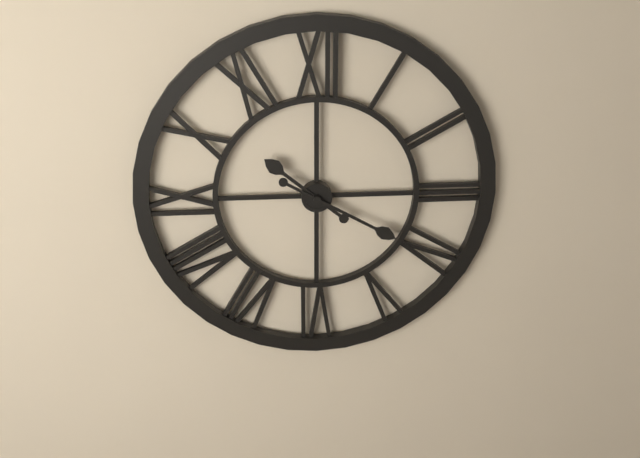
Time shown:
{"hour": 10, "minute": 20}
